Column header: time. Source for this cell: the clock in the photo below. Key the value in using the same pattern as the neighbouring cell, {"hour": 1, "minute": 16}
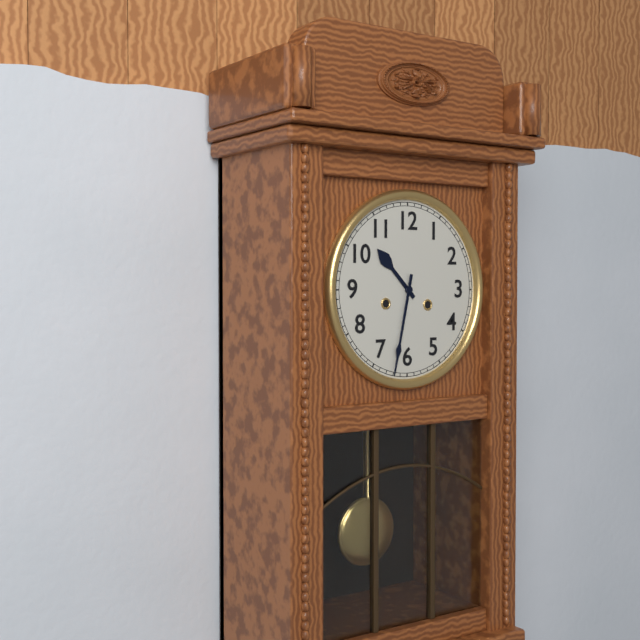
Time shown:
{"hour": 10, "minute": 32}
